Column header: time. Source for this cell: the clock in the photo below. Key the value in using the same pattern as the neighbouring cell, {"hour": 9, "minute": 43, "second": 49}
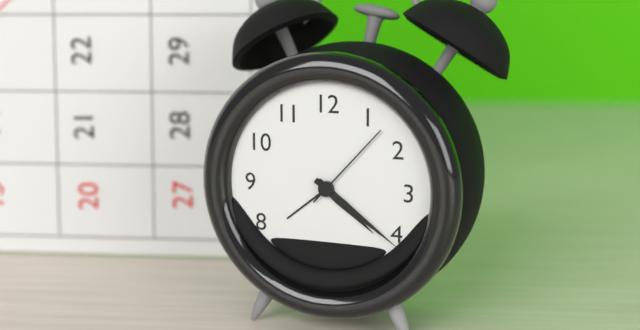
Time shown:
{"hour": 4, "minute": 21, "second": 7}
